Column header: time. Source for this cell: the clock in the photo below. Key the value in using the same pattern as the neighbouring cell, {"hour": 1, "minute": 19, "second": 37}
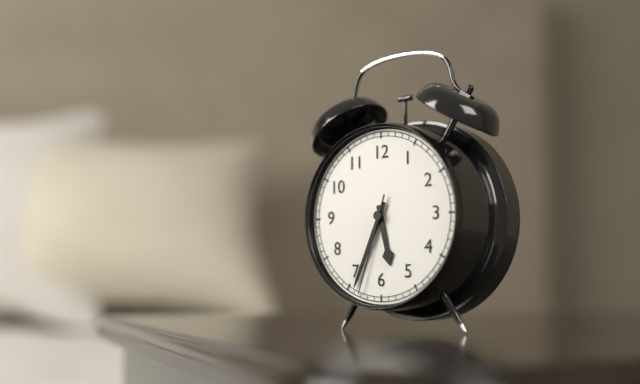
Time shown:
{"hour": 5, "minute": 34, "second": 33}
